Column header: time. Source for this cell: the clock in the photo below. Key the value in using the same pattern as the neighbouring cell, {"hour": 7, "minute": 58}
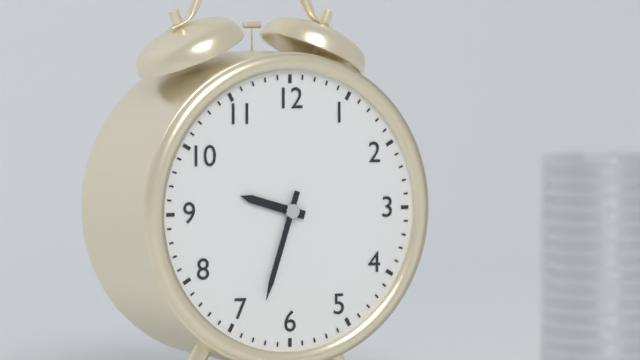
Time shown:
{"hour": 9, "minute": 33}
